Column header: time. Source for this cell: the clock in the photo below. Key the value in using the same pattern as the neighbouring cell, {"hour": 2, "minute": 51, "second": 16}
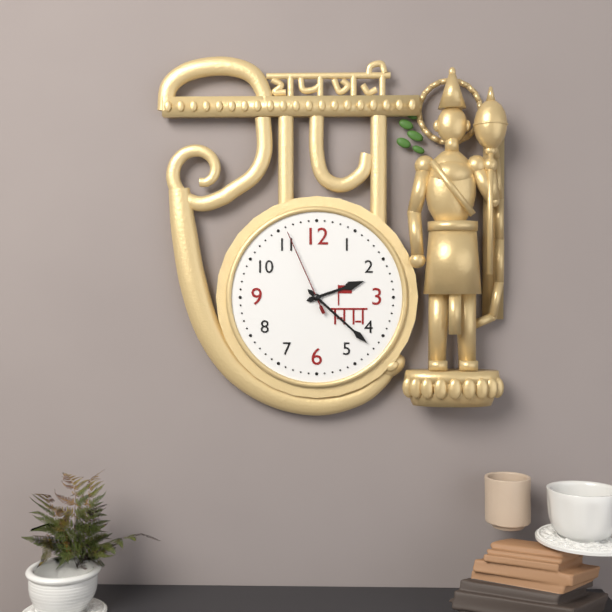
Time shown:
{"hour": 2, "minute": 22, "second": 56}
